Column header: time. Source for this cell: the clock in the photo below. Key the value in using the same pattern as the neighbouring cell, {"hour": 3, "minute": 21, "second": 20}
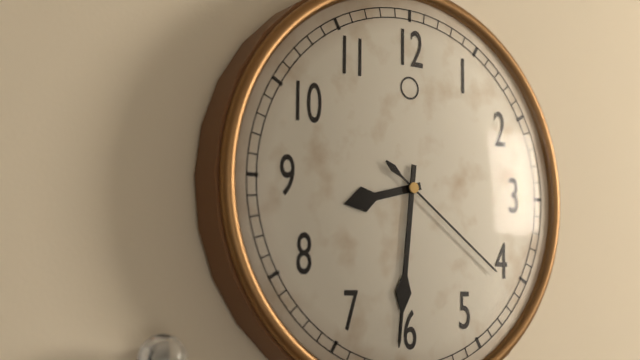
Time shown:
{"hour": 8, "minute": 31, "second": 21}
